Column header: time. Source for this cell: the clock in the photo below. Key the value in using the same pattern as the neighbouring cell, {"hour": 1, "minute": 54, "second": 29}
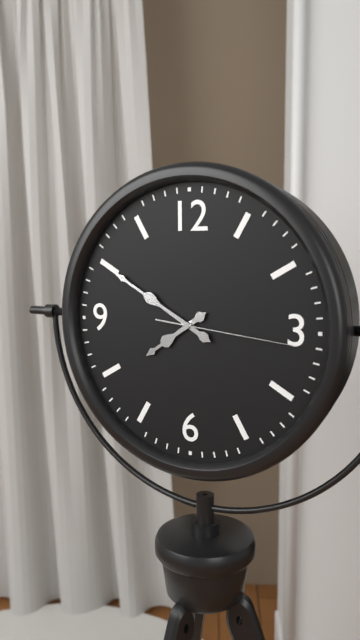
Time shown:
{"hour": 7, "minute": 50, "second": 16}
